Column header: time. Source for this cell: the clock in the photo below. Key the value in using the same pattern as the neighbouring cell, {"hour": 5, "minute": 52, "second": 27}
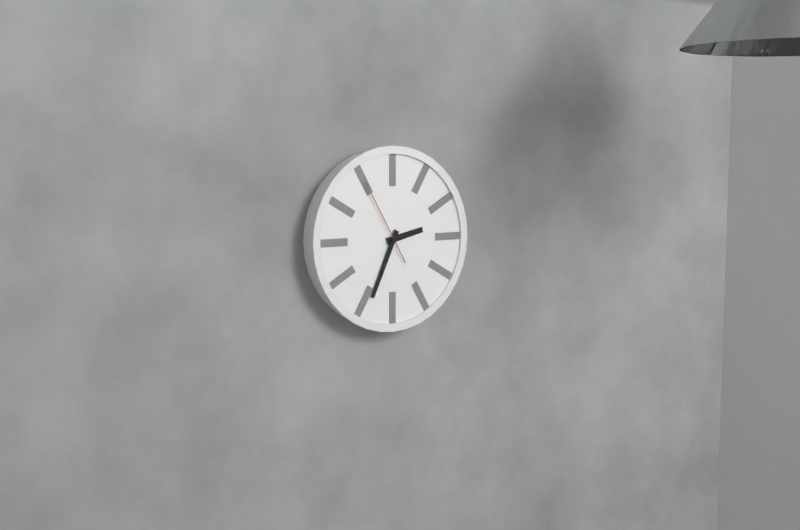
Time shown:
{"hour": 2, "minute": 34, "second": 55}
